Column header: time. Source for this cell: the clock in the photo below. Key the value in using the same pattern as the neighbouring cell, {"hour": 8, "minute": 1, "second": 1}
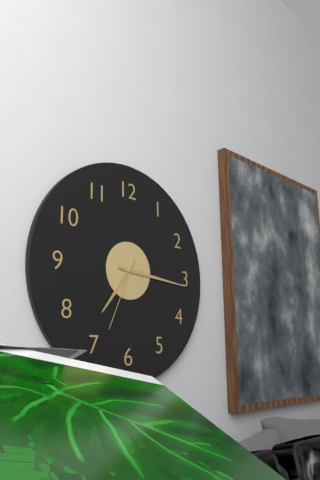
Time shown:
{"hour": 7, "minute": 16, "second": 34}
